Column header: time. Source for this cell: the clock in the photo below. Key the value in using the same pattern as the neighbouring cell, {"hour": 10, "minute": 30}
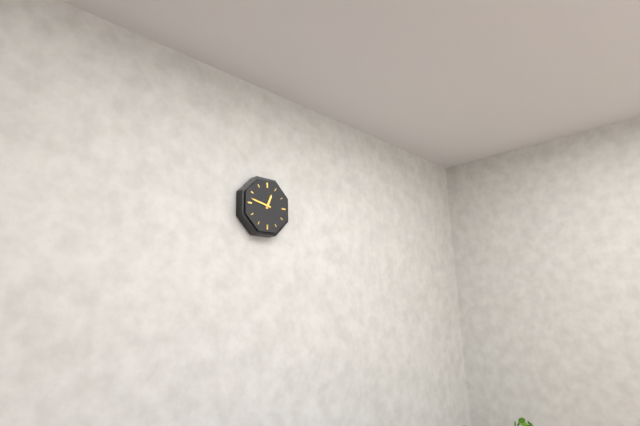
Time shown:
{"hour": 12, "minute": 47}
